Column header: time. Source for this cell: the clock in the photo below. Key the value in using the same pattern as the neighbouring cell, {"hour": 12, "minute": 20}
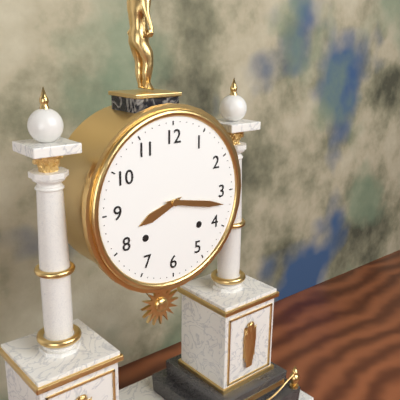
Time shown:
{"hour": 8, "minute": 17}
